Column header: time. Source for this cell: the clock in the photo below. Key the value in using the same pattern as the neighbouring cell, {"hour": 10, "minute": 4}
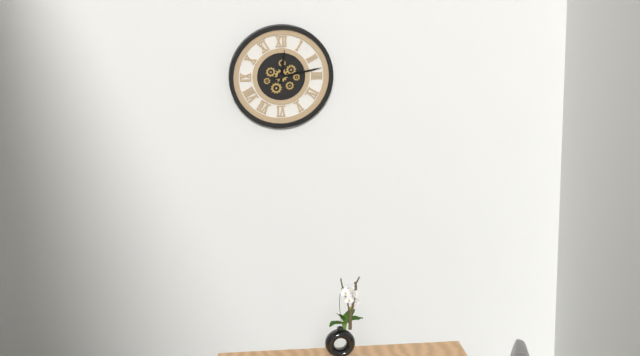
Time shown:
{"hour": 12, "minute": 13}
